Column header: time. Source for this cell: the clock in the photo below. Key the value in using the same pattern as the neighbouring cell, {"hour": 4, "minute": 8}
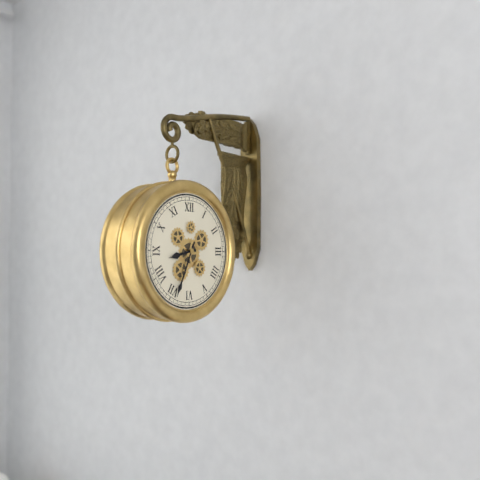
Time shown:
{"hour": 8, "minute": 34}
